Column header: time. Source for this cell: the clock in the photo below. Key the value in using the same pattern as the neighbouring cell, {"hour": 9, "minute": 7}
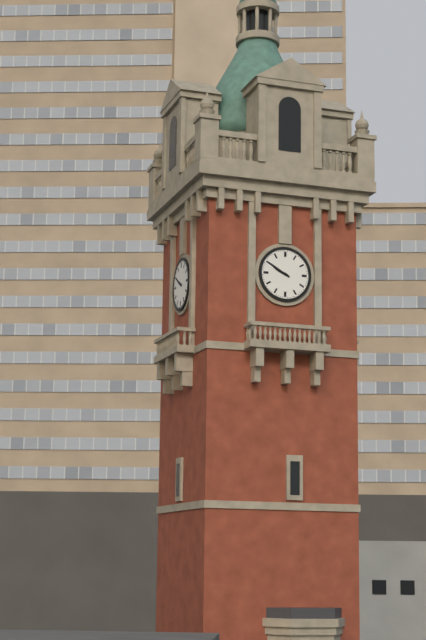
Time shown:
{"hour": 9, "minute": 50}
